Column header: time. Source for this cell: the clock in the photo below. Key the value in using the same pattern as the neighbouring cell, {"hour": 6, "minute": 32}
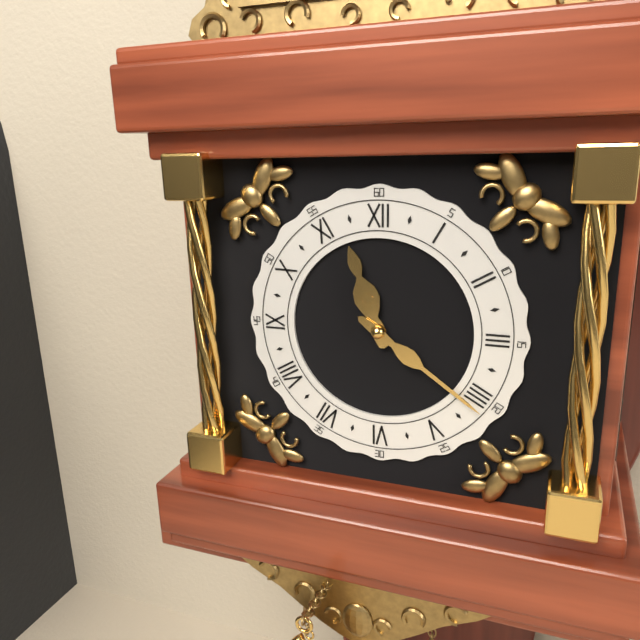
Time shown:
{"hour": 11, "minute": 21}
